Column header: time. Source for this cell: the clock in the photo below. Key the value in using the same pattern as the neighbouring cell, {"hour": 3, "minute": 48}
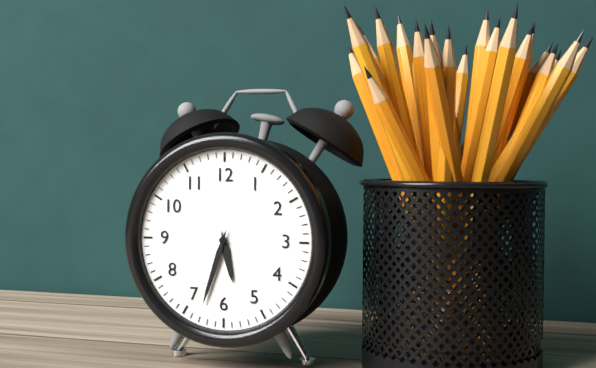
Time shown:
{"hour": 5, "minute": 33}
